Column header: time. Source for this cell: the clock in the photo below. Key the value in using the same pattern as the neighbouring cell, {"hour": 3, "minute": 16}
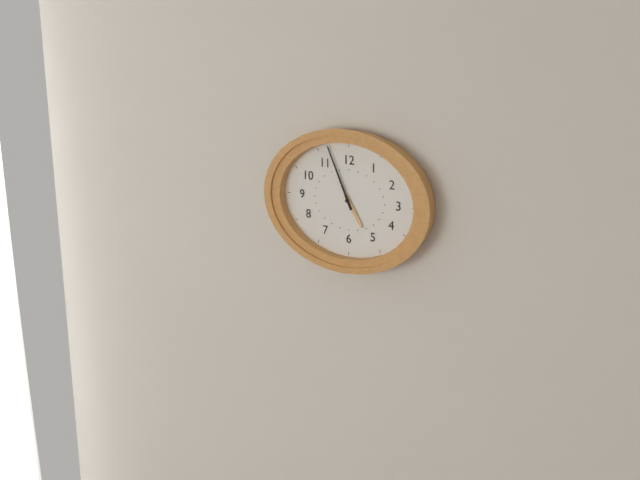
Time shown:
{"hour": 4, "minute": 56}
